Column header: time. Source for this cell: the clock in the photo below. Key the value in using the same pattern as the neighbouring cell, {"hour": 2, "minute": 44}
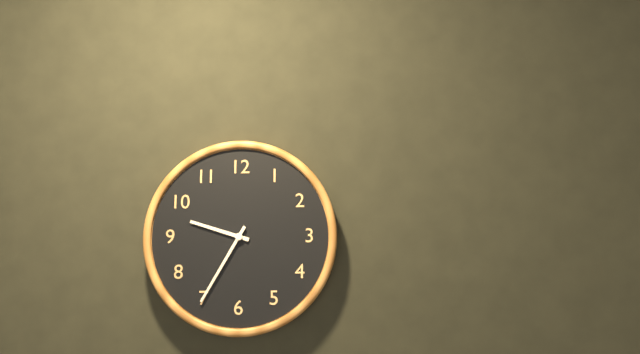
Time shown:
{"hour": 9, "minute": 35}
